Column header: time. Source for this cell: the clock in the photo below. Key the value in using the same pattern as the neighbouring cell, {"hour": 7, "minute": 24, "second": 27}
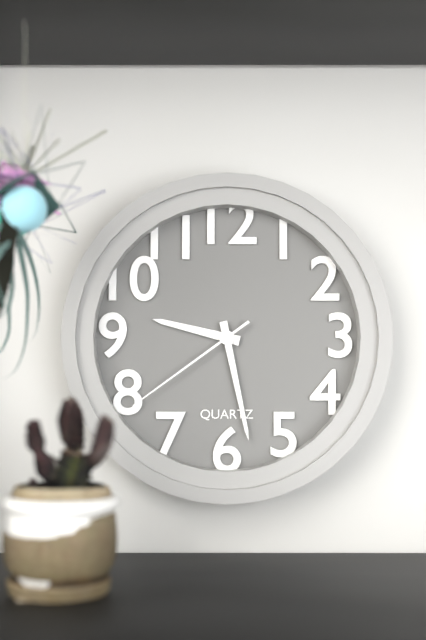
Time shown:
{"hour": 9, "minute": 28, "second": 39}
